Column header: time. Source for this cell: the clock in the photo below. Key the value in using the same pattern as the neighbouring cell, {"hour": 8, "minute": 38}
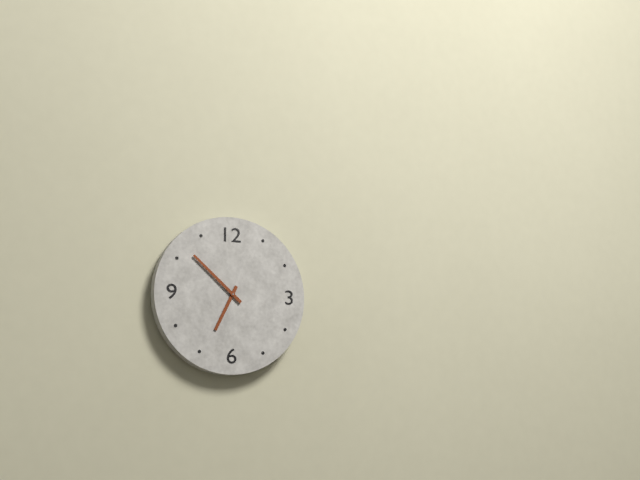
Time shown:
{"hour": 6, "minute": 52}
